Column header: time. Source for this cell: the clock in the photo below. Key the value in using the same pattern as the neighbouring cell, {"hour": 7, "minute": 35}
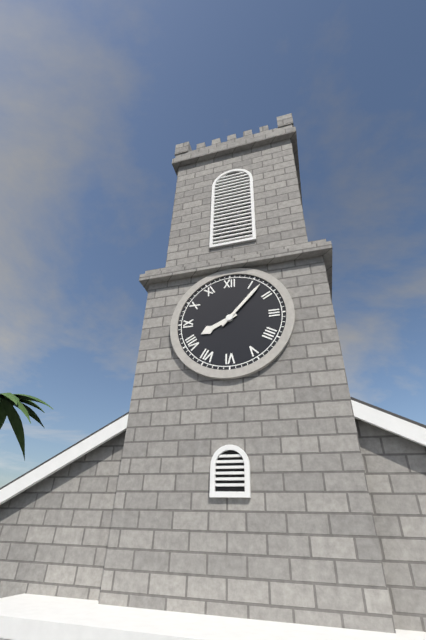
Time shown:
{"hour": 8, "minute": 7}
